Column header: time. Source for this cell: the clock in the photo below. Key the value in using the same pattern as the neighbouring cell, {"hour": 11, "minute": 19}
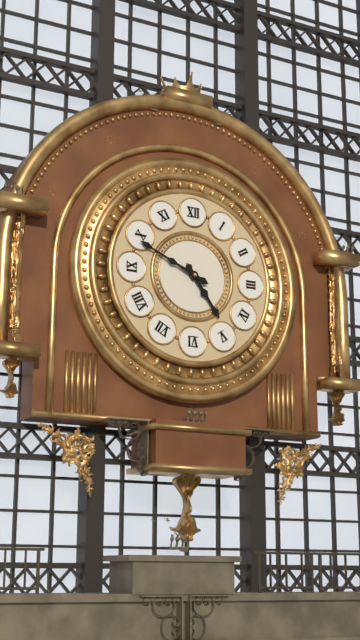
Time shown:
{"hour": 4, "minute": 49}
